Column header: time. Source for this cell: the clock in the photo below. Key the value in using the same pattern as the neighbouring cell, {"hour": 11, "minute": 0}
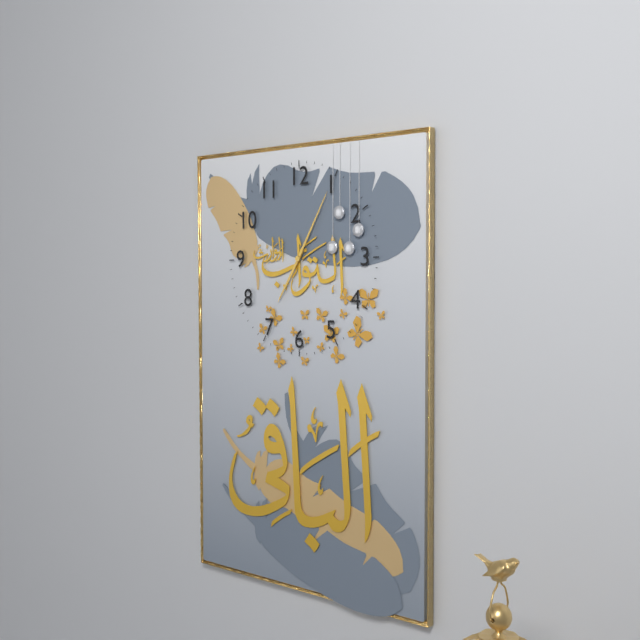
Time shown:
{"hour": 7, "minute": 5}
